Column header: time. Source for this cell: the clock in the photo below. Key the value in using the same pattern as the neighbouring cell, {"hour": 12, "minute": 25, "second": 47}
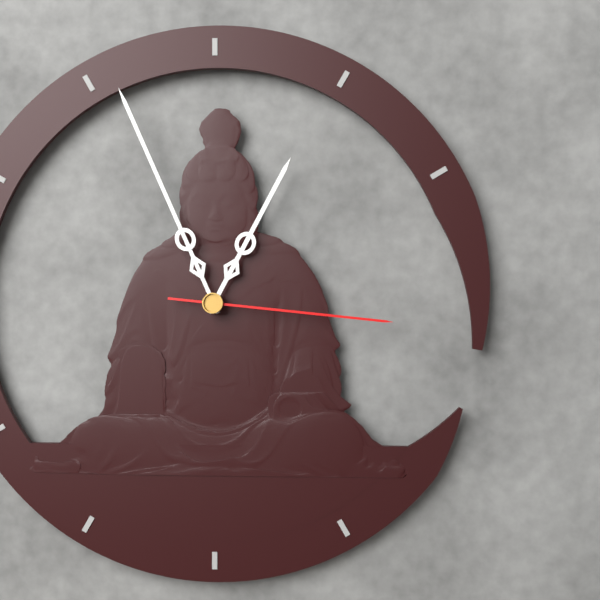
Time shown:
{"hour": 12, "minute": 56, "second": 16}
